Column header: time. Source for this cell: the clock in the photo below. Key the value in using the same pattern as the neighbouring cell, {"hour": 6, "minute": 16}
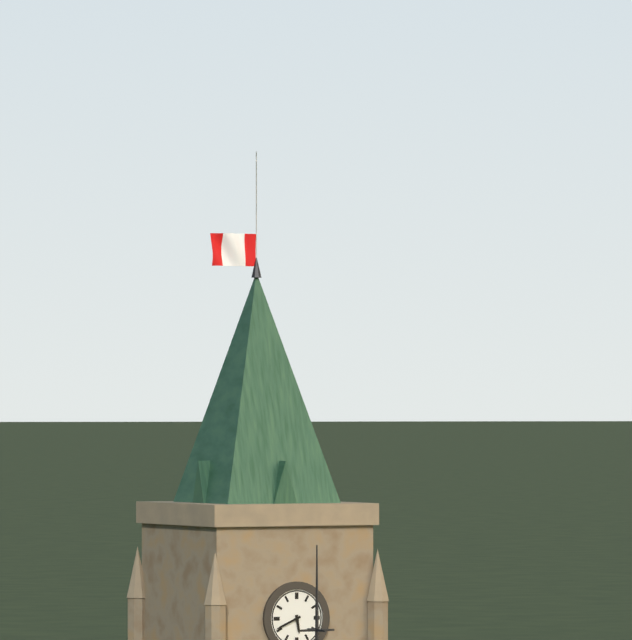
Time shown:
{"hour": 5, "minute": 41}
